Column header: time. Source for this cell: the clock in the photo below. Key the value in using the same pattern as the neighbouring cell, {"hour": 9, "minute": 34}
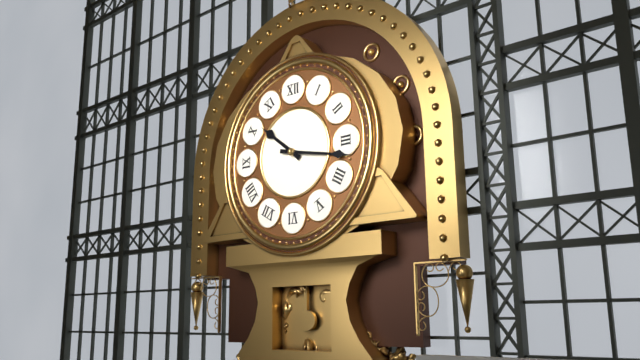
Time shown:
{"hour": 10, "minute": 17}
